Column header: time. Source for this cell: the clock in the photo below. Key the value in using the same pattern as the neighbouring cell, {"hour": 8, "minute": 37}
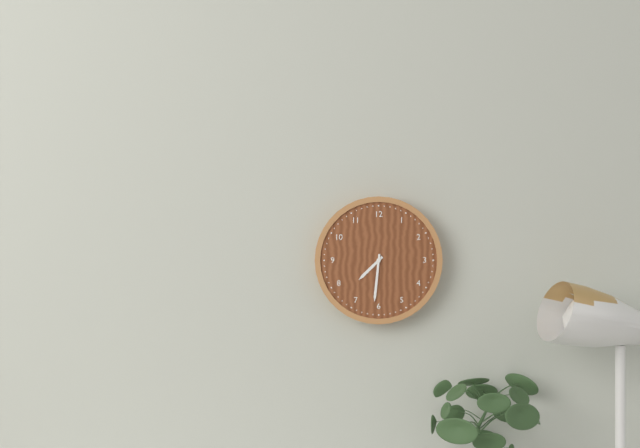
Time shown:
{"hour": 7, "minute": 31}
